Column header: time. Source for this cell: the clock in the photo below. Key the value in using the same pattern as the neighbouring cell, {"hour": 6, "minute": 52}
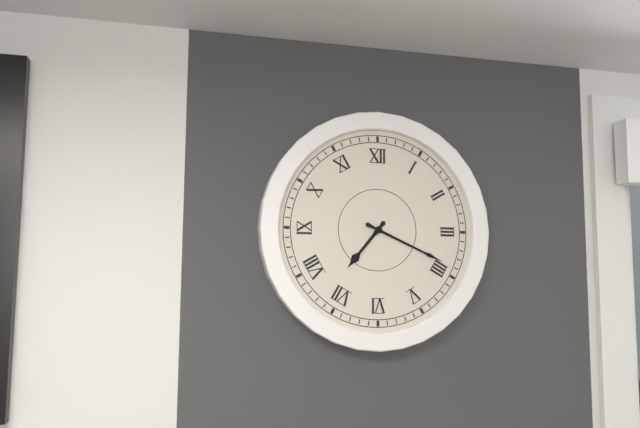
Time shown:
{"hour": 7, "minute": 19}
